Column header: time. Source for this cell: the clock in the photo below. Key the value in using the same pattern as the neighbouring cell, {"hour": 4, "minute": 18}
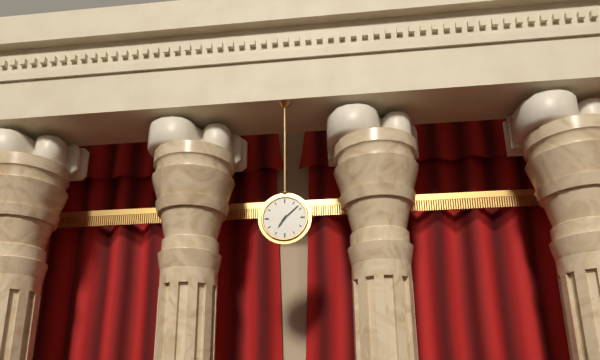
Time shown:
{"hour": 7, "minute": 8}
